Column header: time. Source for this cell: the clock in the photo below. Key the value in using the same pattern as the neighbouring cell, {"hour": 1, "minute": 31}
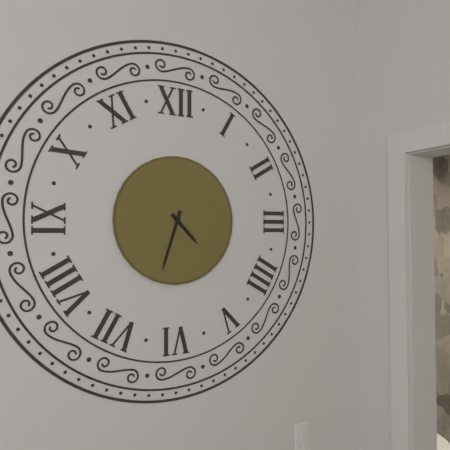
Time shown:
{"hour": 4, "minute": 33}
